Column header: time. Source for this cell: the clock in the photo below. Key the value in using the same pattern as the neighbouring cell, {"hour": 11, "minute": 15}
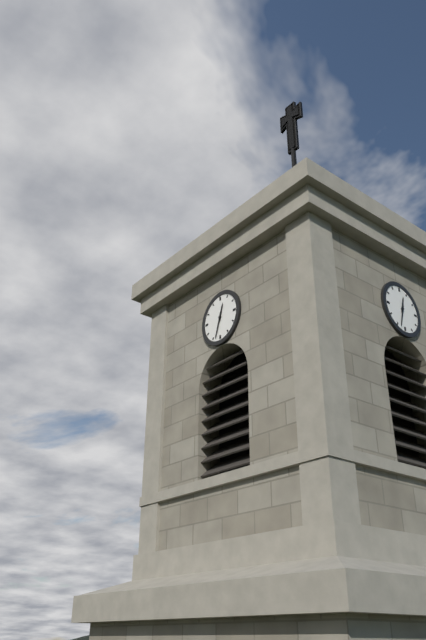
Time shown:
{"hour": 12, "minute": 33}
